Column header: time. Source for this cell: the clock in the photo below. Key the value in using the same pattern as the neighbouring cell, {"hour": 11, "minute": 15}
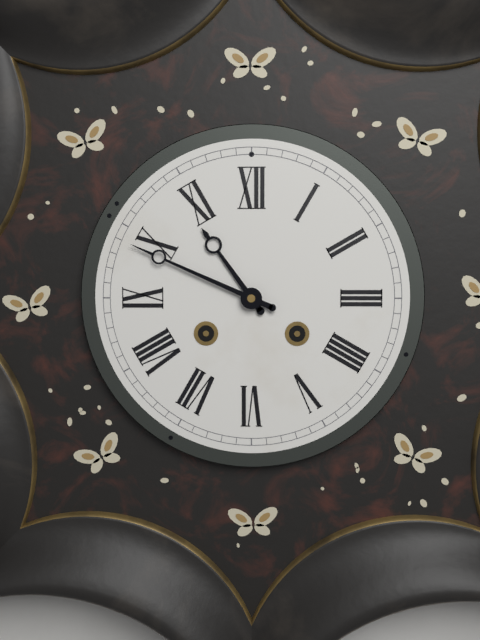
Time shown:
{"hour": 10, "minute": 49}
